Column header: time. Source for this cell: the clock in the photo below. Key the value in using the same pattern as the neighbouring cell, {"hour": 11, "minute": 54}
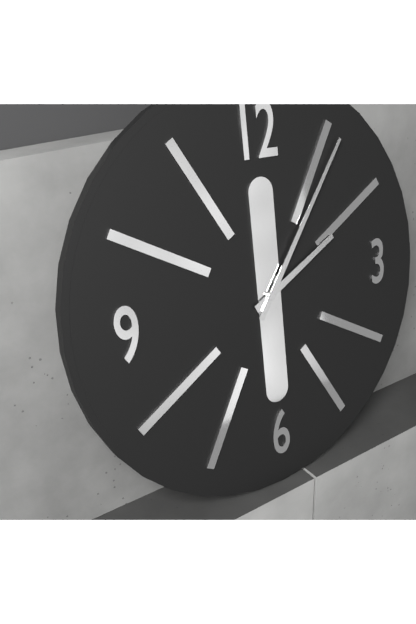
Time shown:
{"hour": 2, "minute": 6}
